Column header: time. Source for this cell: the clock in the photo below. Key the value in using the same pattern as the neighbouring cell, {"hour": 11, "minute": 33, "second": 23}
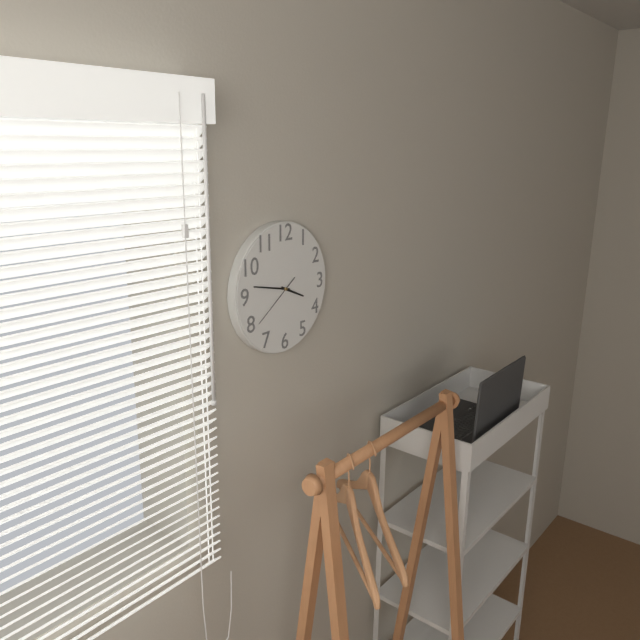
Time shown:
{"hour": 3, "minute": 47, "second": 39}
